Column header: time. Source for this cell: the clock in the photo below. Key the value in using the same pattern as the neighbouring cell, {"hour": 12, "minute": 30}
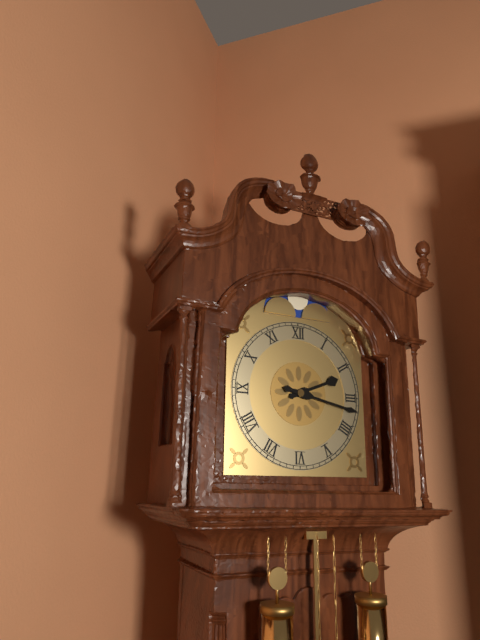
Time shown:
{"hour": 2, "minute": 17}
